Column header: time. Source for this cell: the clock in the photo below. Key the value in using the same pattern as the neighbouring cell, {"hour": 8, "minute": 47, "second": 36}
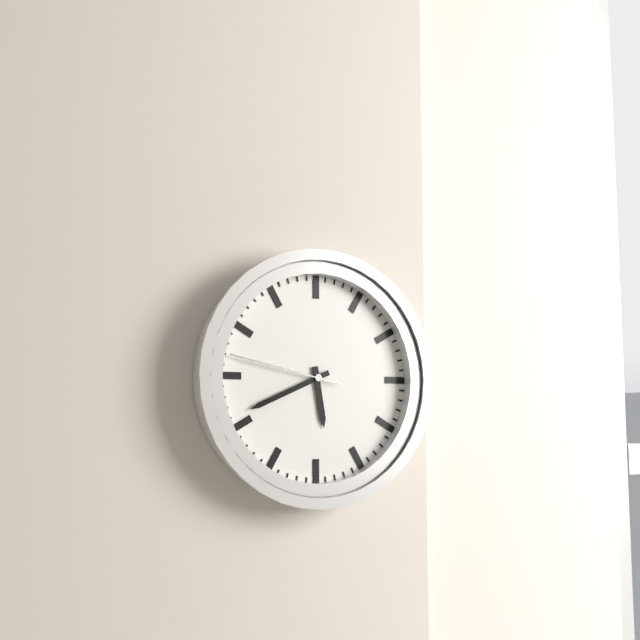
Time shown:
{"hour": 5, "minute": 41, "second": 47}
